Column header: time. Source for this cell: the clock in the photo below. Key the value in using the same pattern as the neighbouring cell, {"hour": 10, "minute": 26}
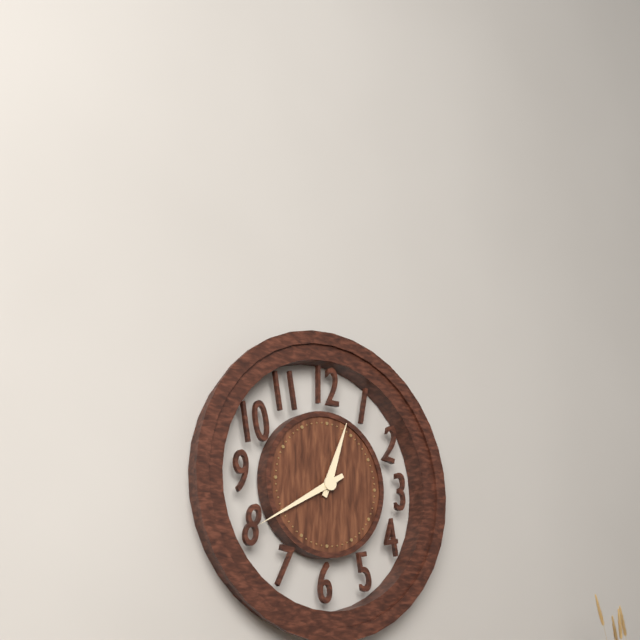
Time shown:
{"hour": 12, "minute": 40}
